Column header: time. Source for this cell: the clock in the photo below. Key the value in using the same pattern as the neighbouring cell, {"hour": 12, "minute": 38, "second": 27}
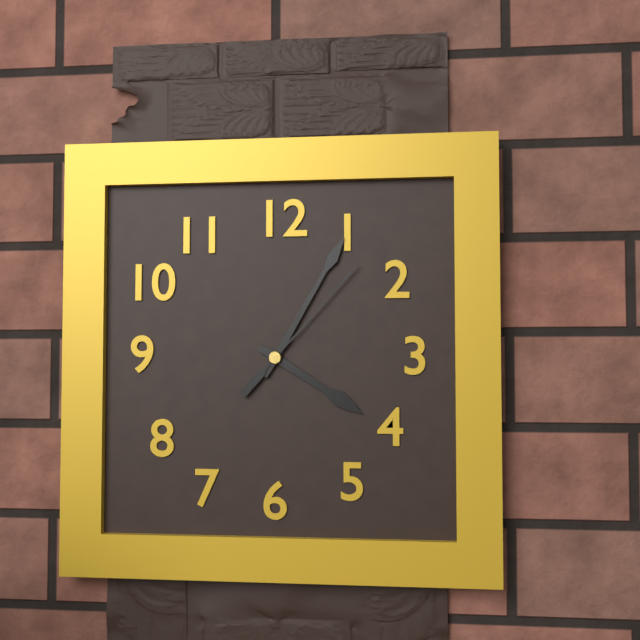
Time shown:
{"hour": 4, "minute": 5, "second": 7}
